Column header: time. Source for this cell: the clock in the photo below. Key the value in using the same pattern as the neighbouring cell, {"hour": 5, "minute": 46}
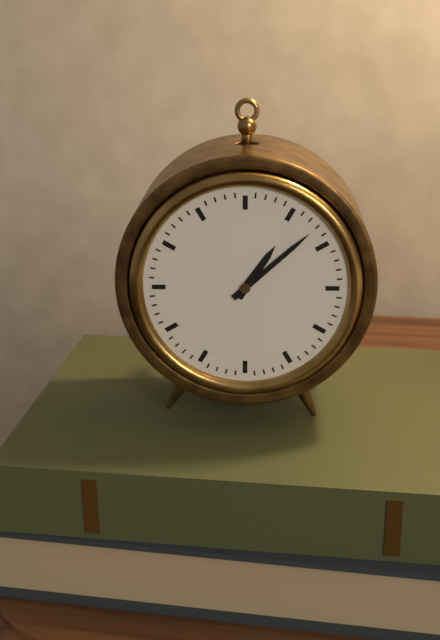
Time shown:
{"hour": 1, "minute": 8}
